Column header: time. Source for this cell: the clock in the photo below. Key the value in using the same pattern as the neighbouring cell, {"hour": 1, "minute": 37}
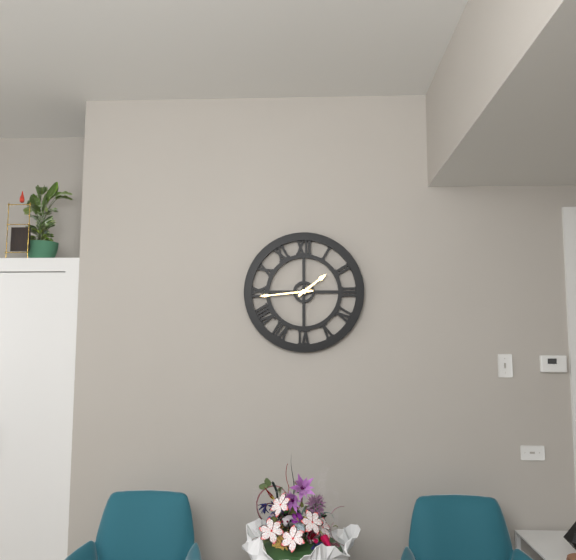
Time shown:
{"hour": 1, "minute": 44}
